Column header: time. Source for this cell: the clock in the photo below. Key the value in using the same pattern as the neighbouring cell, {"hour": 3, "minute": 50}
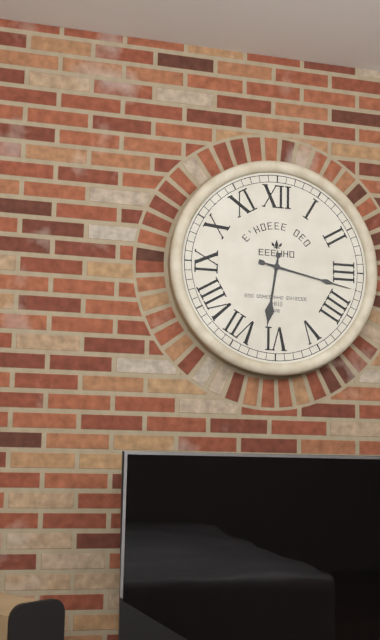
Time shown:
{"hour": 6, "minute": 17}
